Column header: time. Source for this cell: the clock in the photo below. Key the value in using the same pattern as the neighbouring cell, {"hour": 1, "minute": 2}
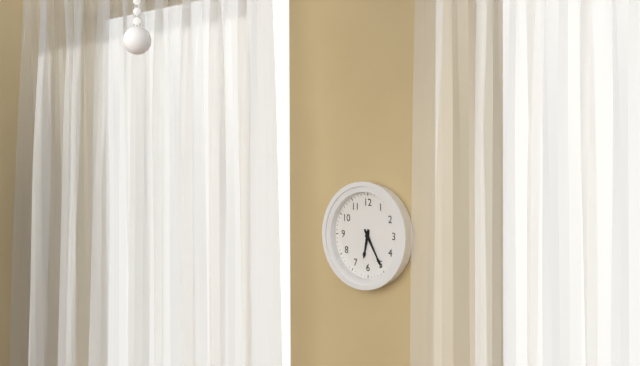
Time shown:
{"hour": 6, "minute": 25}
